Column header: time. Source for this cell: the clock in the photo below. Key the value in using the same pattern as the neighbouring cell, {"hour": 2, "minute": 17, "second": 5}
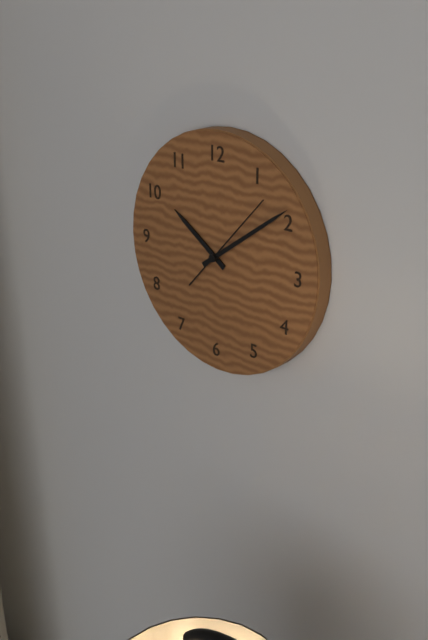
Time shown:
{"hour": 10, "minute": 9, "second": 7}
